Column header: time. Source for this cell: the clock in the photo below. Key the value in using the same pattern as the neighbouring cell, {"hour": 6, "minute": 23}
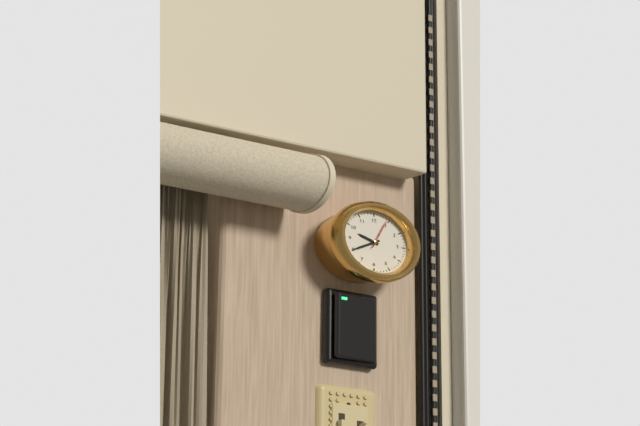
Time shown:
{"hour": 9, "minute": 40}
